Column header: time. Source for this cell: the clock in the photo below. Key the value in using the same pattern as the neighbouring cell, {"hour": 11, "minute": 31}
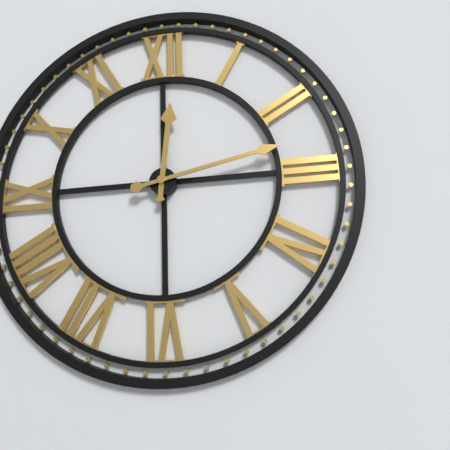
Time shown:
{"hour": 12, "minute": 13}
